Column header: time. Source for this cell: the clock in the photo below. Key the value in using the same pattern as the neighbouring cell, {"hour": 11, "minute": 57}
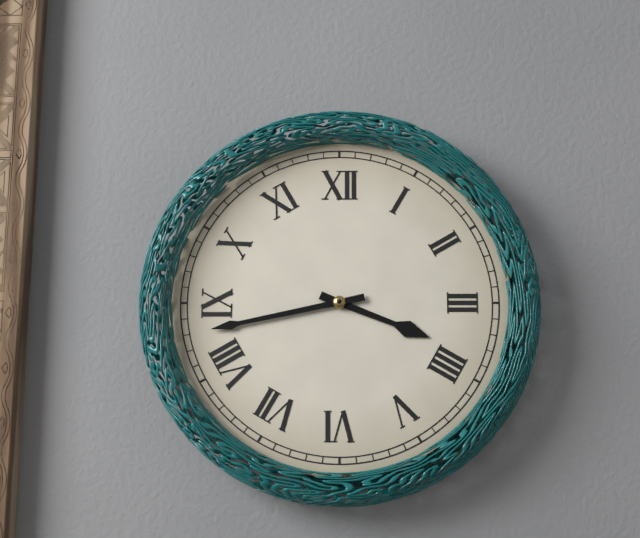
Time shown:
{"hour": 3, "minute": 43}
